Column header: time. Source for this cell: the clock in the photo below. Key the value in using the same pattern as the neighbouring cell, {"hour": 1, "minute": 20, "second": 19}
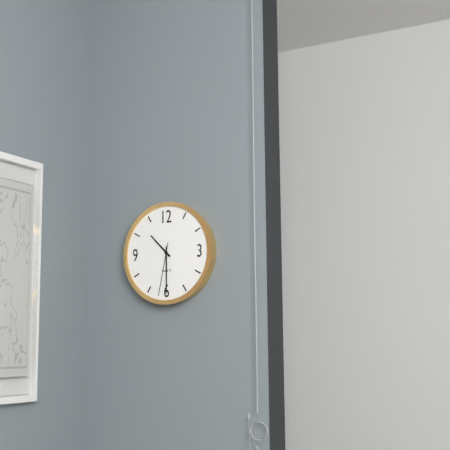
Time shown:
{"hour": 10, "minute": 30, "second": 32}
